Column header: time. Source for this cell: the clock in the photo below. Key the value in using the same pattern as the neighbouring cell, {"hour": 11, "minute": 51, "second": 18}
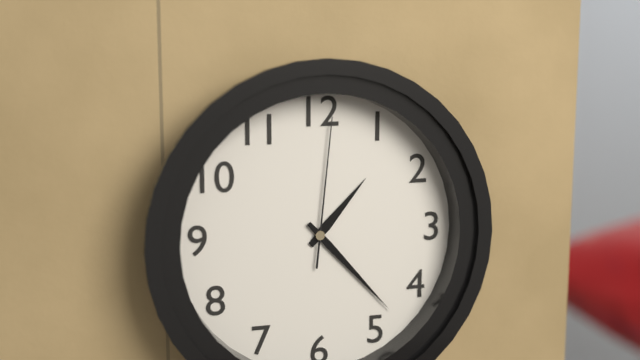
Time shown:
{"hour": 1, "minute": 23, "second": 1}
